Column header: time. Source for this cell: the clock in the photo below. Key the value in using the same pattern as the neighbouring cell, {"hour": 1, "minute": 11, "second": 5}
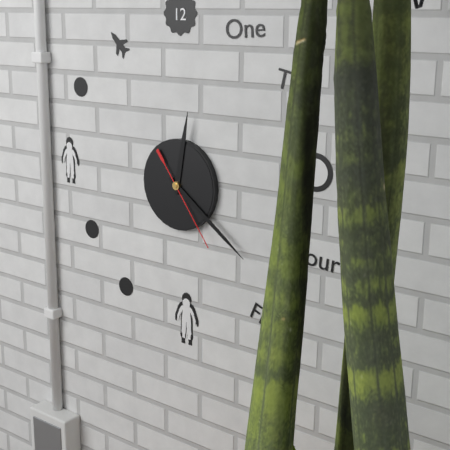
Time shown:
{"hour": 12, "minute": 21, "second": 24}
